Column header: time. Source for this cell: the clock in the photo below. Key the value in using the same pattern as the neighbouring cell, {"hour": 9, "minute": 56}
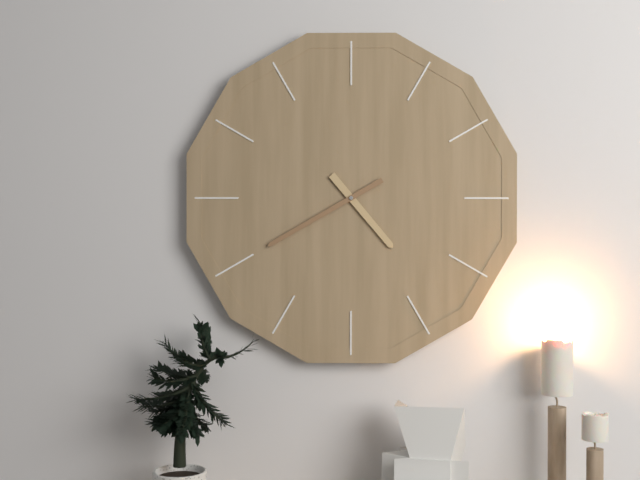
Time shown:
{"hour": 4, "minute": 40}
